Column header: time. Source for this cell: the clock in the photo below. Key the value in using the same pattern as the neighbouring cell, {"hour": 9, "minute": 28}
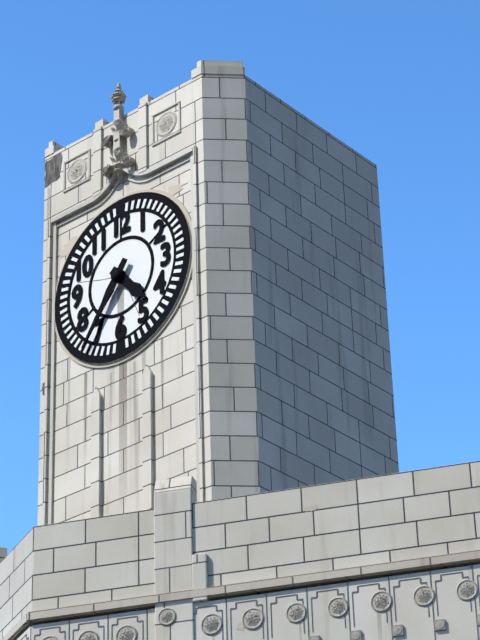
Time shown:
{"hour": 4, "minute": 36}
